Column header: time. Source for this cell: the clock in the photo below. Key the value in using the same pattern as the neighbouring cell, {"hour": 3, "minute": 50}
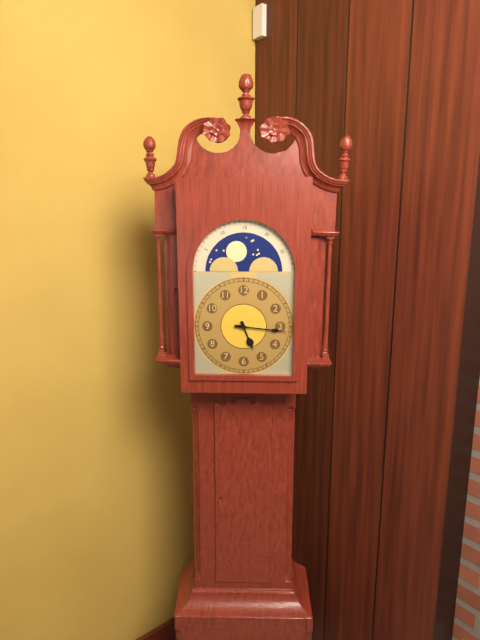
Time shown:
{"hour": 5, "minute": 16}
